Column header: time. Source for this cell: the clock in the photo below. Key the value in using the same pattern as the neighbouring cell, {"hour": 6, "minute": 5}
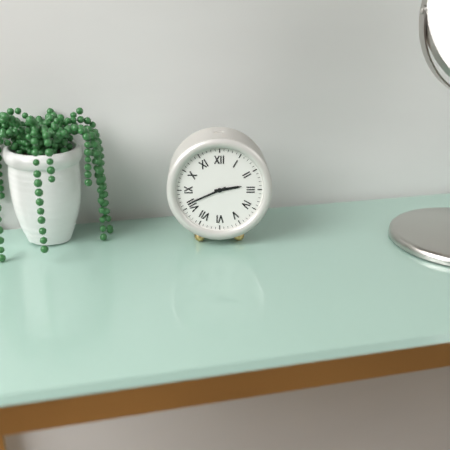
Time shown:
{"hour": 2, "minute": 41}
